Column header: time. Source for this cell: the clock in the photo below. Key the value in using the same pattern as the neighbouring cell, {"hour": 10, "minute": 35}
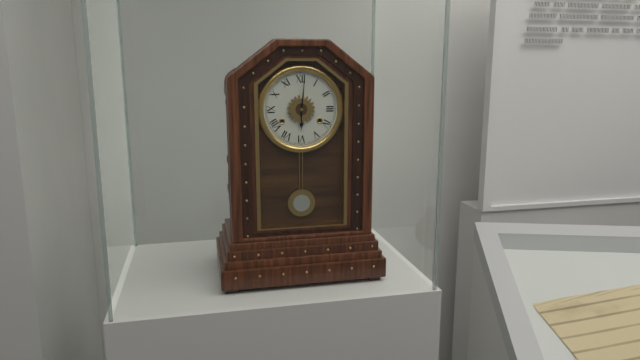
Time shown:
{"hour": 6, "minute": 1}
